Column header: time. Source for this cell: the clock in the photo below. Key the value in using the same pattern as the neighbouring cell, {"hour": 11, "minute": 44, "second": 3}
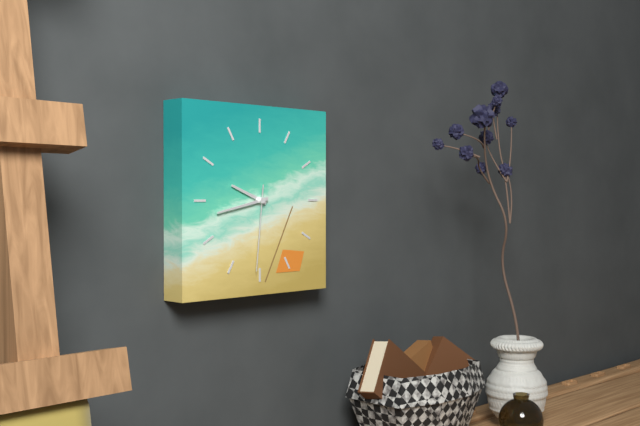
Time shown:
{"hour": 9, "minute": 43, "second": 31}
